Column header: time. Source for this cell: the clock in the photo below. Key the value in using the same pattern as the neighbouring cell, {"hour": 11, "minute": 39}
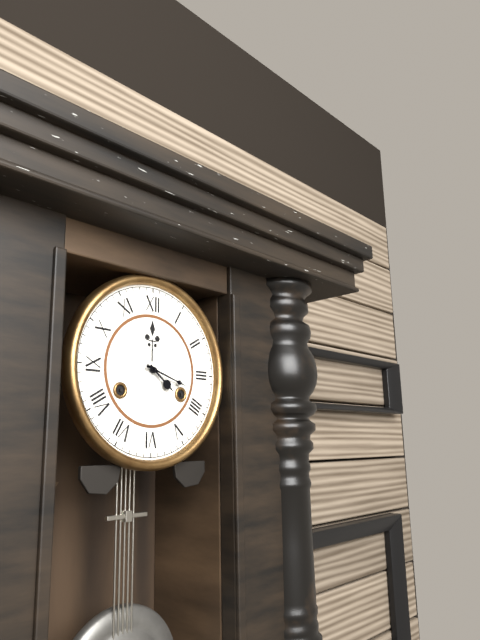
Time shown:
{"hour": 4, "minute": 18}
